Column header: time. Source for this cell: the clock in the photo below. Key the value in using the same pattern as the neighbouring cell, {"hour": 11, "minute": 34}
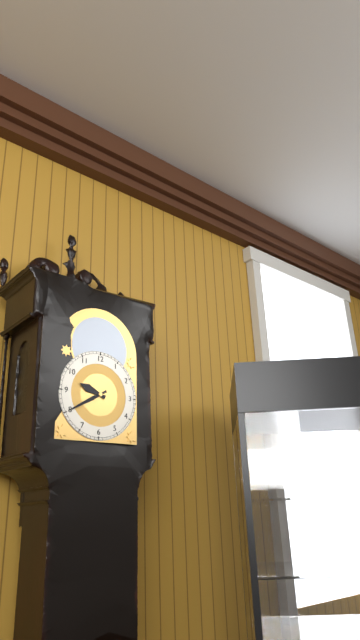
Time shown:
{"hour": 9, "minute": 40}
